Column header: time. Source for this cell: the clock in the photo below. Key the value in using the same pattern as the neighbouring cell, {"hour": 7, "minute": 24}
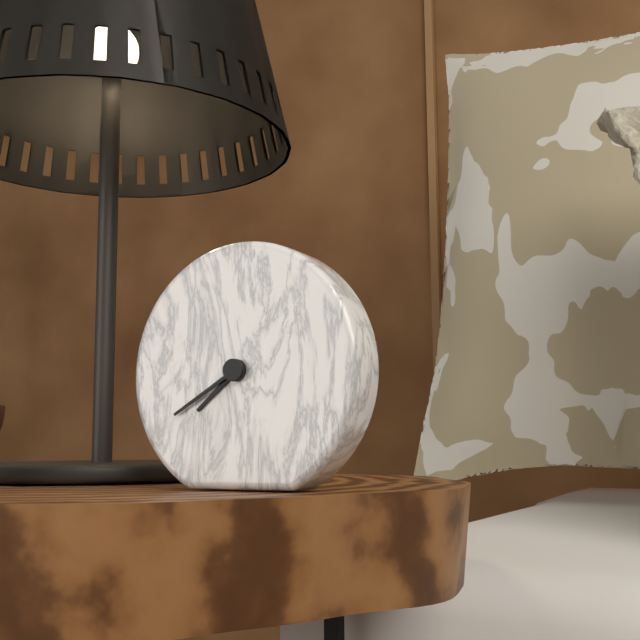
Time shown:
{"hour": 7, "minute": 40}
